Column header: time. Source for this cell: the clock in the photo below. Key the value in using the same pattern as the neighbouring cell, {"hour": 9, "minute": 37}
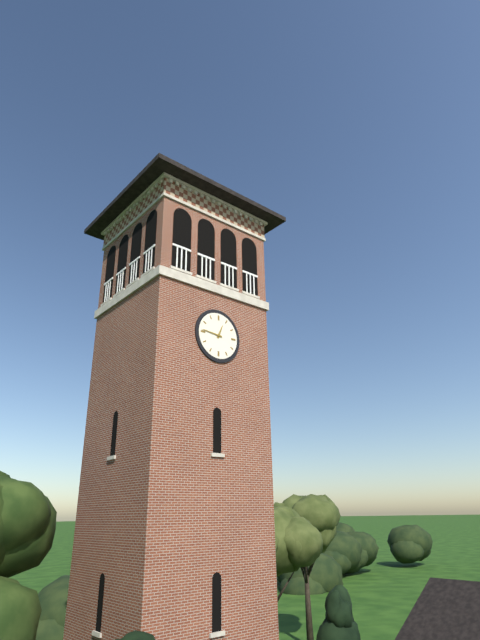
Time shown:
{"hour": 12, "minute": 46}
